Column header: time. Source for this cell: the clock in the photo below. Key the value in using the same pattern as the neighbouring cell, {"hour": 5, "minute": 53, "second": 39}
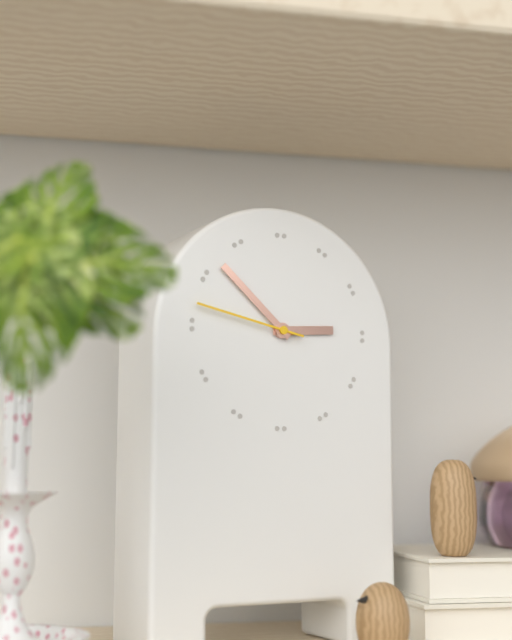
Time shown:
{"hour": 2, "minute": 52, "second": 47}
